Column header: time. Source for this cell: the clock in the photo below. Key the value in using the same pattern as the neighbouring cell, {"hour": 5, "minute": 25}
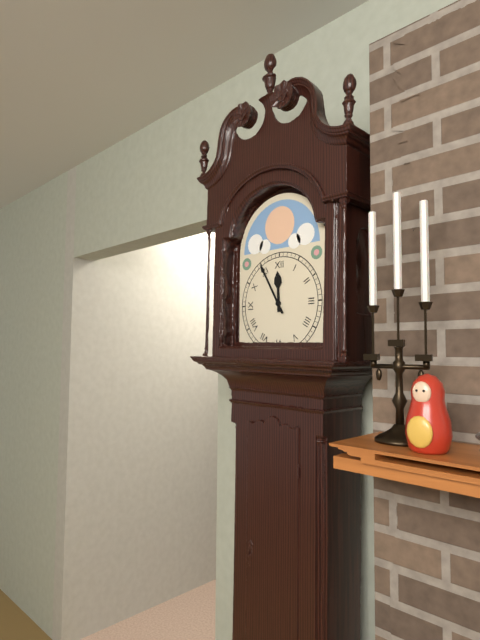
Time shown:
{"hour": 11, "minute": 55}
